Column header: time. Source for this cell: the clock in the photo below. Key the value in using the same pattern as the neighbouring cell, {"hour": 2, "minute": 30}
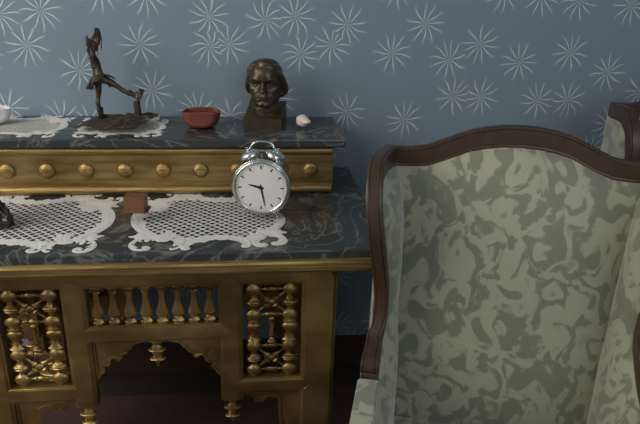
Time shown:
{"hour": 9, "minute": 28}
